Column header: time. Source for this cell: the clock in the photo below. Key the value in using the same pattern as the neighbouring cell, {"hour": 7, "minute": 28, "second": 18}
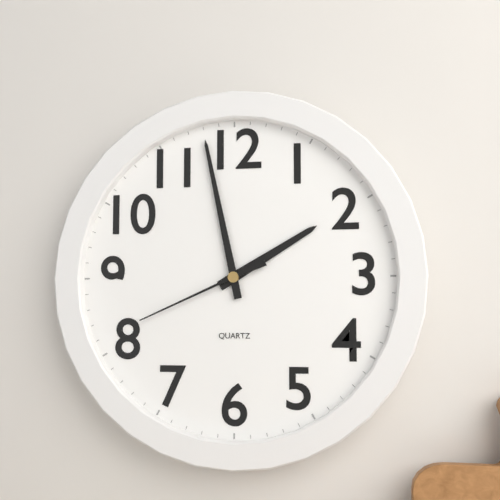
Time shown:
{"hour": 1, "minute": 58, "second": 41}
